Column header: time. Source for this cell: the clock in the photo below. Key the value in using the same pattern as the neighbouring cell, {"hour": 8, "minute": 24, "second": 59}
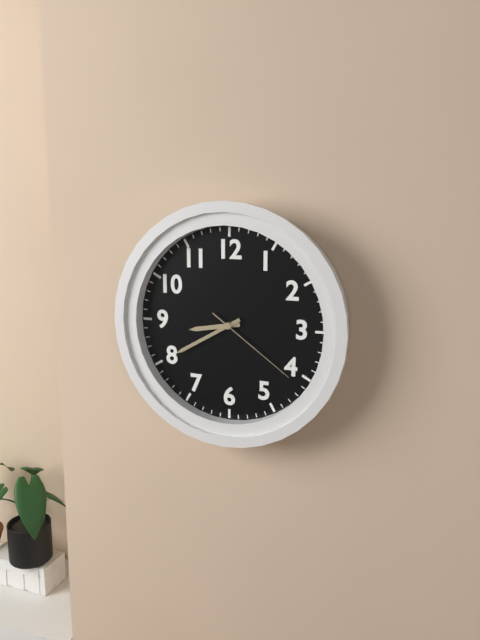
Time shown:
{"hour": 8, "minute": 40, "second": 21}
